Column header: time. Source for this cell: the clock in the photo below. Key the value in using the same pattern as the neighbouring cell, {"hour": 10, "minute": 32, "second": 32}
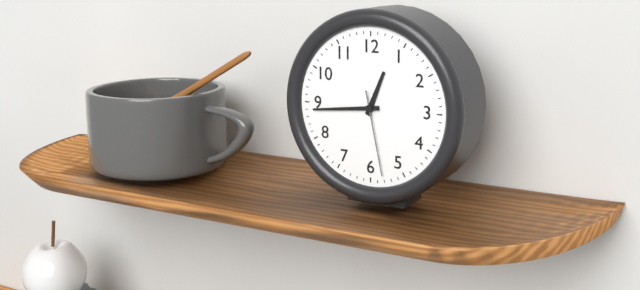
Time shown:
{"hour": 12, "minute": 44, "second": 28}
